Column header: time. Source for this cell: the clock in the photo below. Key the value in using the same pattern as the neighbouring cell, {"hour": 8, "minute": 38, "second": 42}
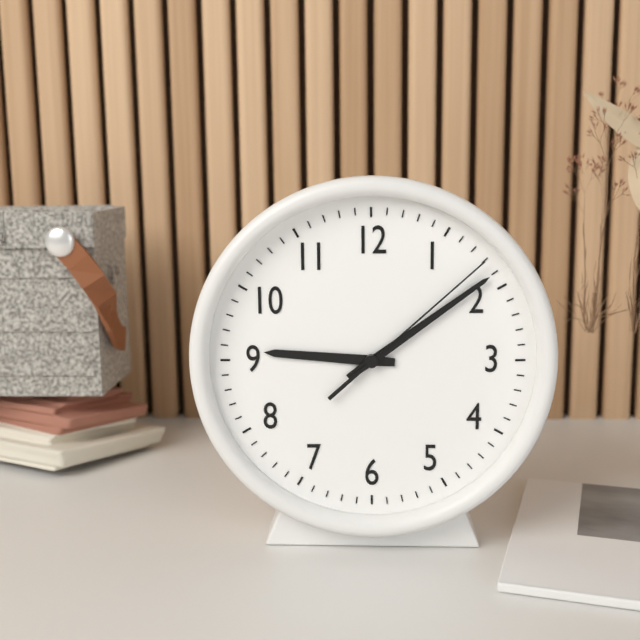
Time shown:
{"hour": 9, "minute": 9, "second": 8}
